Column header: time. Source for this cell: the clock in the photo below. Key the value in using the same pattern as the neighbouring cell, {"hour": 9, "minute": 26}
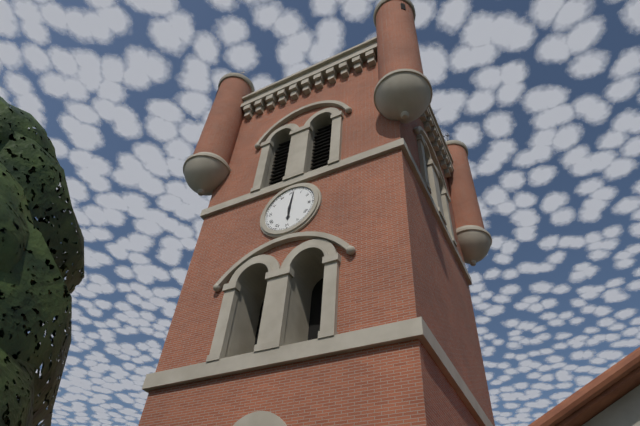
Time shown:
{"hour": 6, "minute": 1}
